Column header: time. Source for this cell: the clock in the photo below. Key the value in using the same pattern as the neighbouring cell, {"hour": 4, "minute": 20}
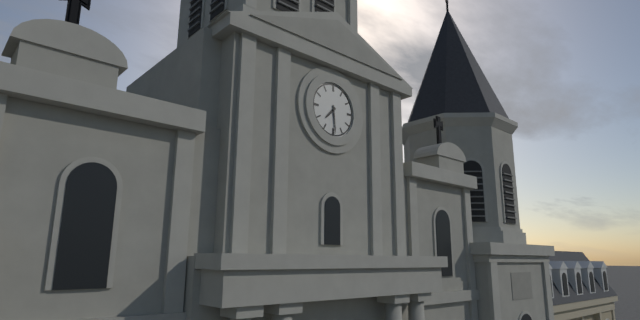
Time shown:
{"hour": 7, "minute": 29}
